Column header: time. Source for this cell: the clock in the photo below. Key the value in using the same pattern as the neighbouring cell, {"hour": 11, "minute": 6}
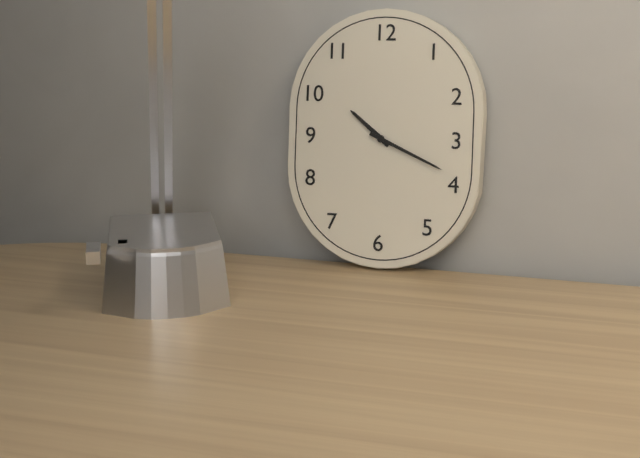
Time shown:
{"hour": 10, "minute": 19}
